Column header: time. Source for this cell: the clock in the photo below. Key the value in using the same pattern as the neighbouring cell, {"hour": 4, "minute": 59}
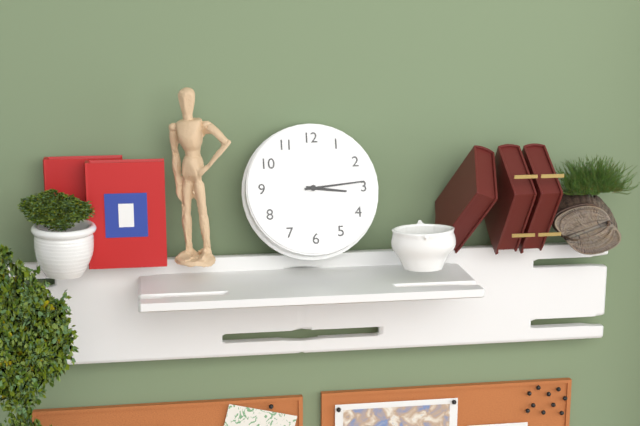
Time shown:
{"hour": 3, "minute": 14}
